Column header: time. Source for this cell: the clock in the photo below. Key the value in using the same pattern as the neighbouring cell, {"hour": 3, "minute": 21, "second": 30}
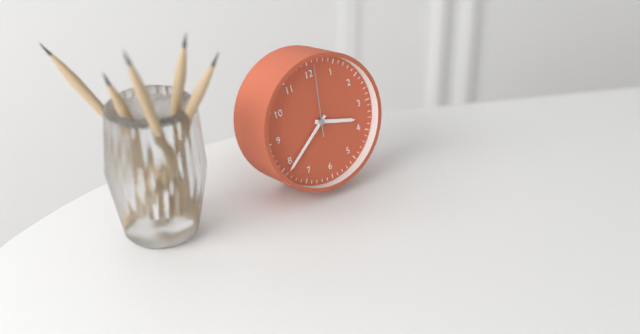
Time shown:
{"hour": 3, "minute": 39, "second": 1}
